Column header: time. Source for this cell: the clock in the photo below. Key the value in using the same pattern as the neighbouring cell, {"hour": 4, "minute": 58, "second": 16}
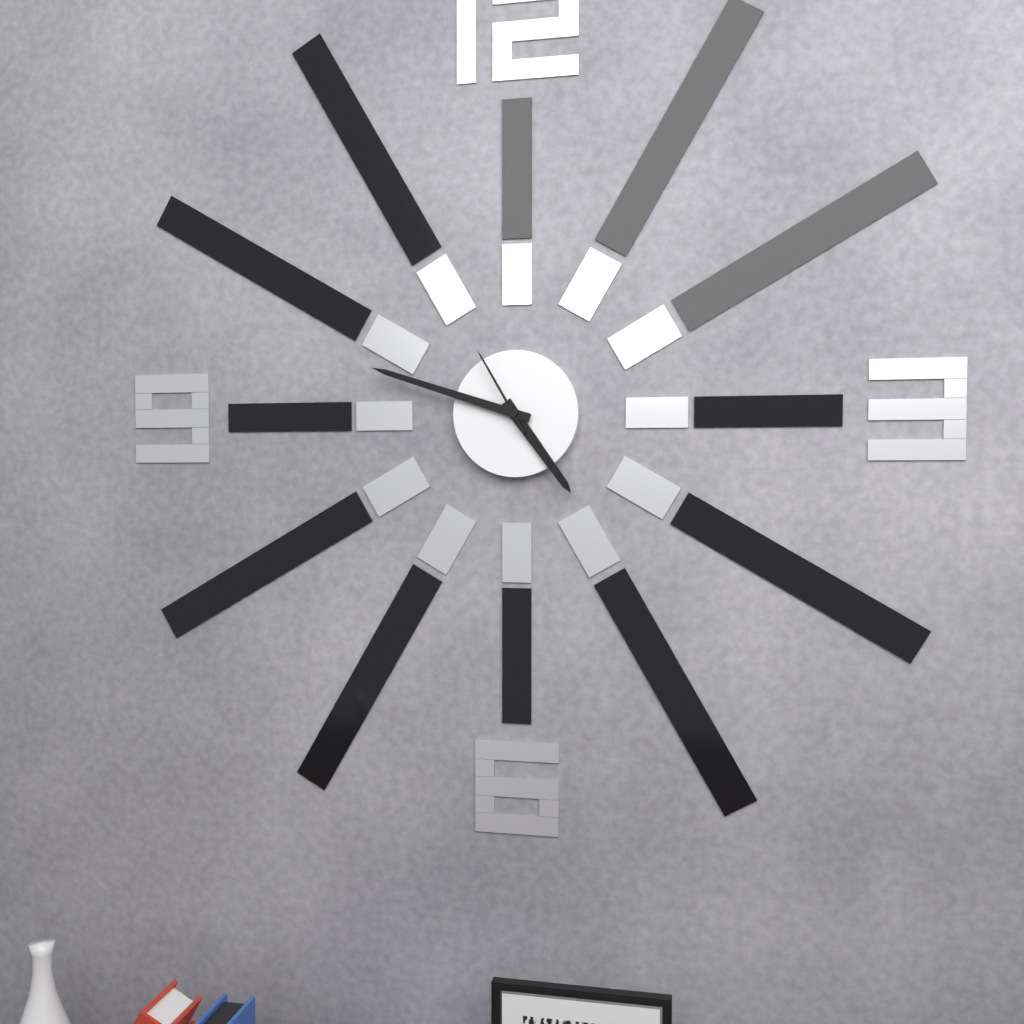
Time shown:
{"hour": 4, "minute": 48, "second": 55}
